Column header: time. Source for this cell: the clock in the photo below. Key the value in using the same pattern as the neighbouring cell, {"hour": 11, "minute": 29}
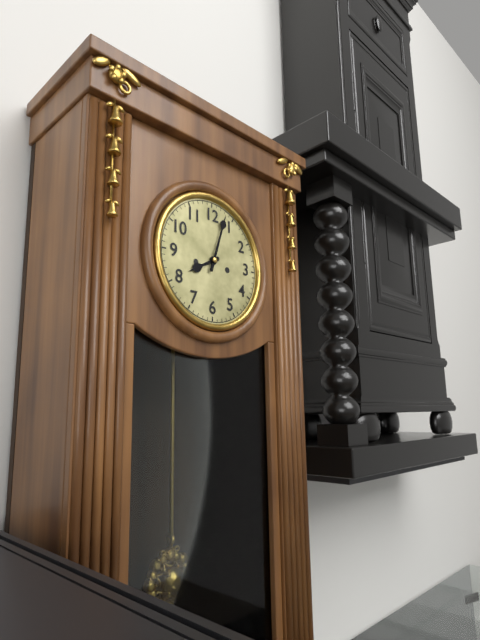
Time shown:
{"hour": 8, "minute": 3}
